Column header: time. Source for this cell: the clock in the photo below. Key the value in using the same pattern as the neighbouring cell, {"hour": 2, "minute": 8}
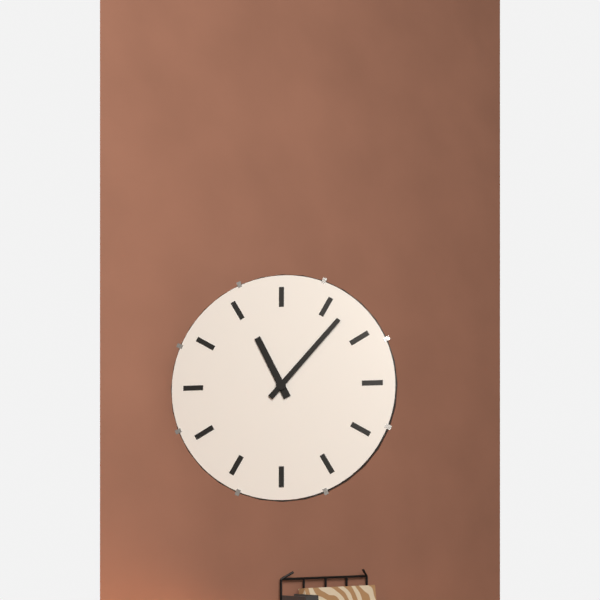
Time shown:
{"hour": 11, "minute": 7}
